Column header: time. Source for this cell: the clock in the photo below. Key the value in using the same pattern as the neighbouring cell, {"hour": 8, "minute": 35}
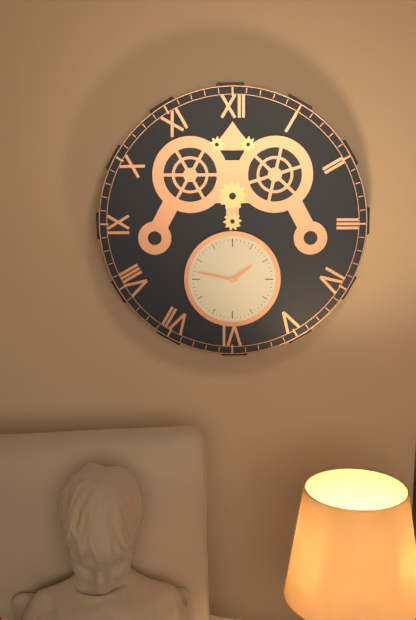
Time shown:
{"hour": 1, "minute": 47}
